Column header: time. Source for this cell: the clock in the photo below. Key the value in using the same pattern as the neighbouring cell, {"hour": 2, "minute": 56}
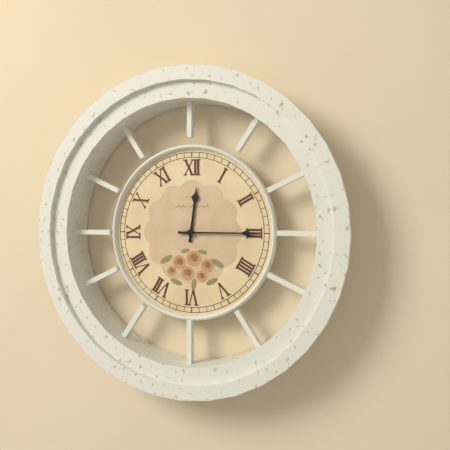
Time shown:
{"hour": 12, "minute": 15}
